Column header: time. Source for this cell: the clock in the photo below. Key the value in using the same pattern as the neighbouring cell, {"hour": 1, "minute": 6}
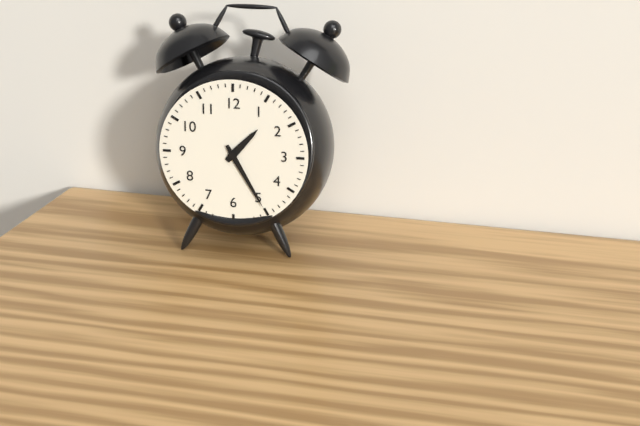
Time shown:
{"hour": 1, "minute": 25}
